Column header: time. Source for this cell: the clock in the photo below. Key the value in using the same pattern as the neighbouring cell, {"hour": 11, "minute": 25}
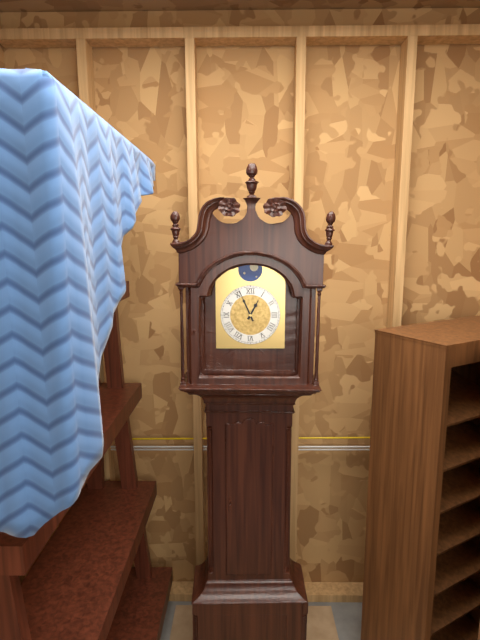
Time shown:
{"hour": 12, "minute": 56}
